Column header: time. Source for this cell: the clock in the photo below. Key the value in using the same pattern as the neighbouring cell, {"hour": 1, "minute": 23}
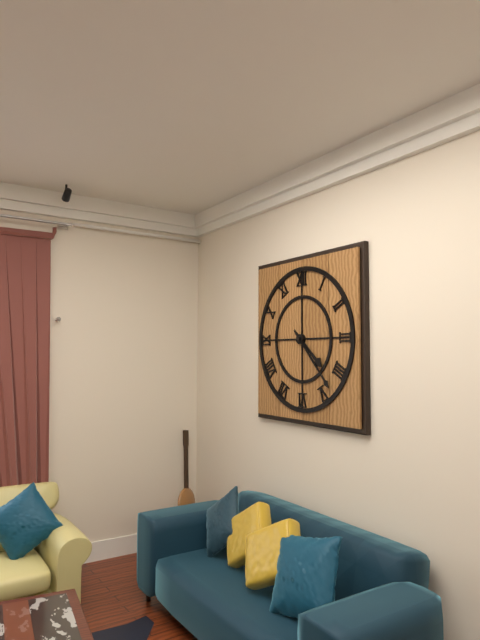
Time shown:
{"hour": 4, "minute": 23}
